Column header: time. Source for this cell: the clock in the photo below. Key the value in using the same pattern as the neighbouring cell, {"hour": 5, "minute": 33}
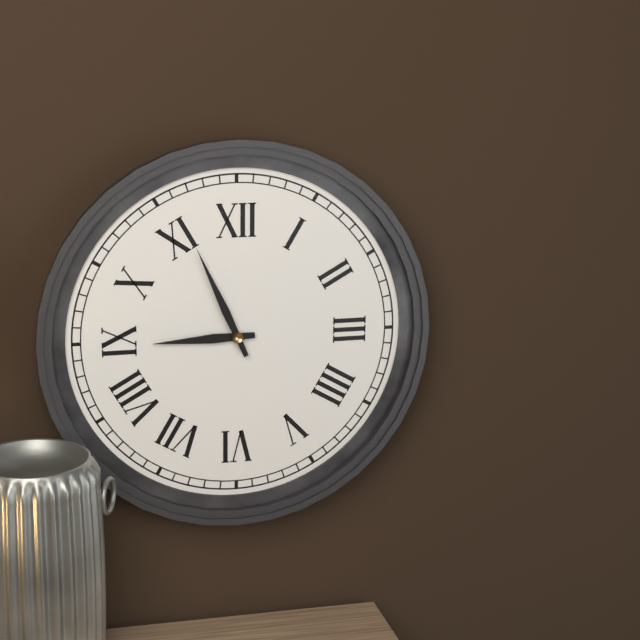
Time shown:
{"hour": 8, "minute": 56}
